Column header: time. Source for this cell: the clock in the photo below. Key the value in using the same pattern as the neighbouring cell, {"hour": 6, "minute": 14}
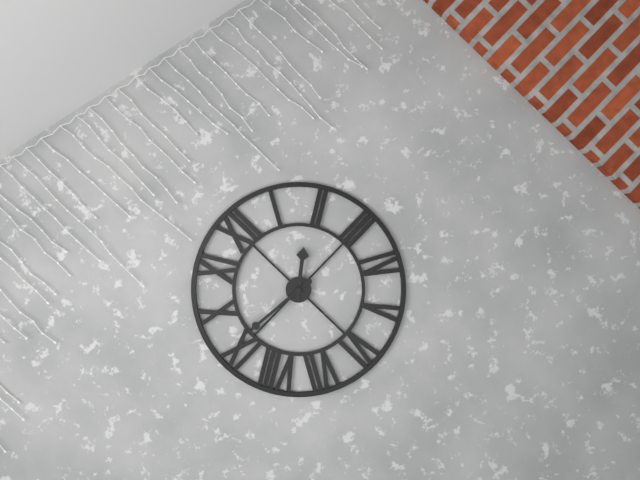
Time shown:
{"hour": 1, "minute": 46}
